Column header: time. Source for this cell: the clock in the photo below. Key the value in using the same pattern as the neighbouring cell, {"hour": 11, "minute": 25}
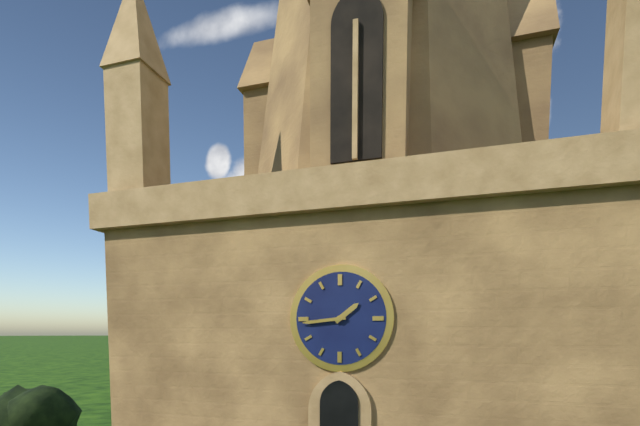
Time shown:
{"hour": 1, "minute": 44}
